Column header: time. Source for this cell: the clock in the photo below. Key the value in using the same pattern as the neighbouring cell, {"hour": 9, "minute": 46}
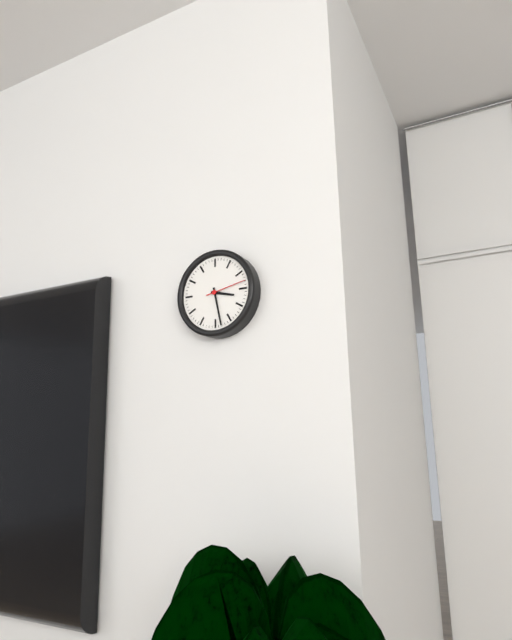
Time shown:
{"hour": 3, "minute": 28}
